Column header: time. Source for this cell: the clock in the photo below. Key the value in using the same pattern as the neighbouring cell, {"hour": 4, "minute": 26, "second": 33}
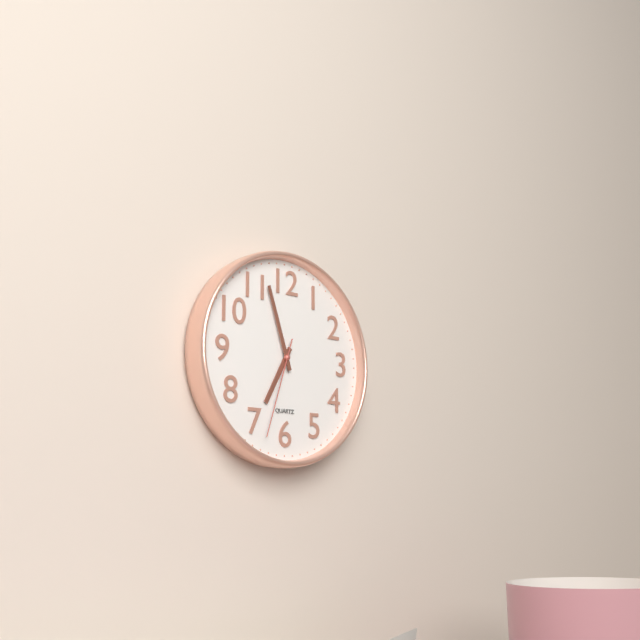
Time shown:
{"hour": 6, "minute": 57, "second": 33}
